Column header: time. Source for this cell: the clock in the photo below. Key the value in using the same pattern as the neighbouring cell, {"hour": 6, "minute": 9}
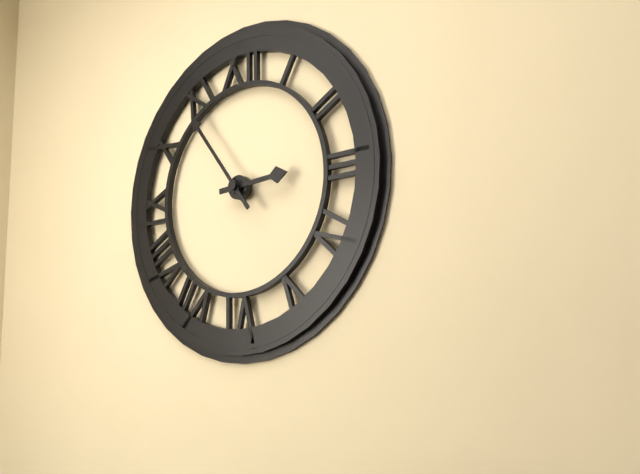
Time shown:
{"hour": 2, "minute": 54}
